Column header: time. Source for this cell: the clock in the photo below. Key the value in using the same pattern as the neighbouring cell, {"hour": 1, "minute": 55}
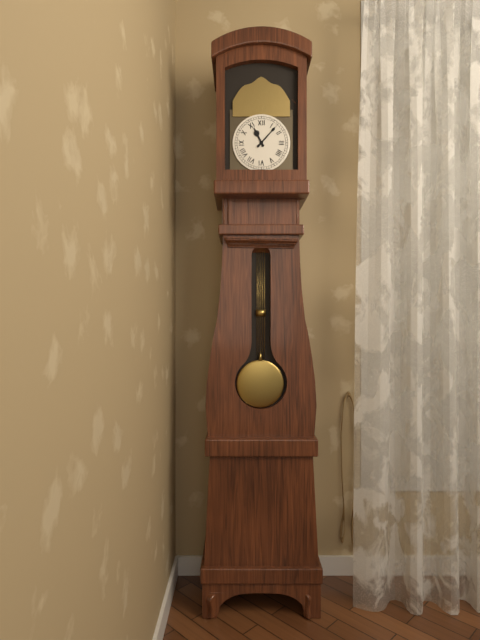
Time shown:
{"hour": 11, "minute": 7}
